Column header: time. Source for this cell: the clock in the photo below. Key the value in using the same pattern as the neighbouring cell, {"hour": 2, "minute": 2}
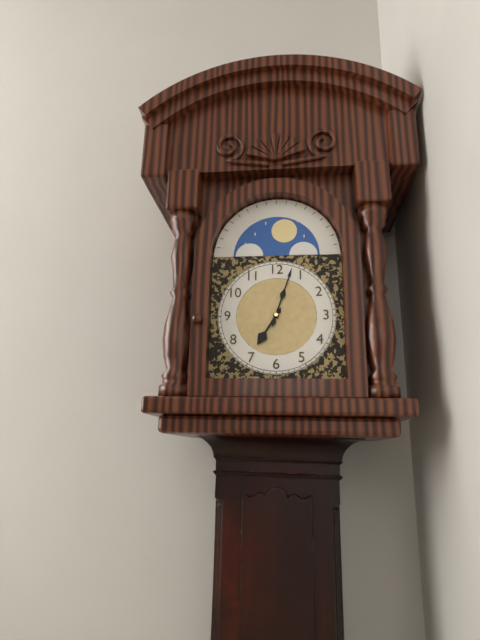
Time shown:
{"hour": 7, "minute": 3}
